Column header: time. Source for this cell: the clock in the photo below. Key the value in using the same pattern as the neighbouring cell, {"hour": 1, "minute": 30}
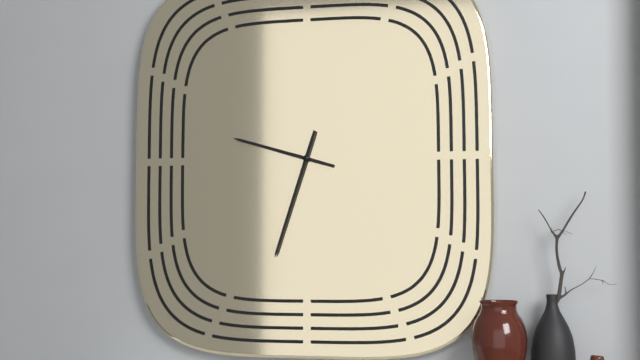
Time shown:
{"hour": 9, "minute": 33}
